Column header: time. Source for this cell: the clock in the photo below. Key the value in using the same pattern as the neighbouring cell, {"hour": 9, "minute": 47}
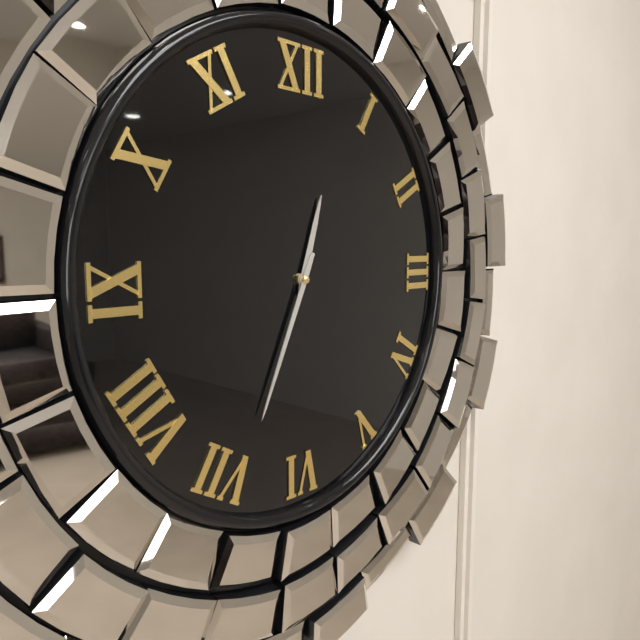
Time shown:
{"hour": 12, "minute": 34}
